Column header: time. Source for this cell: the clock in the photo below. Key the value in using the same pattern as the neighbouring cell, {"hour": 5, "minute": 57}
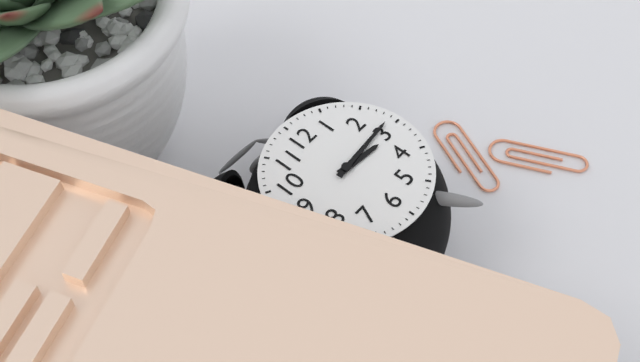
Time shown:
{"hour": 3, "minute": 14}
